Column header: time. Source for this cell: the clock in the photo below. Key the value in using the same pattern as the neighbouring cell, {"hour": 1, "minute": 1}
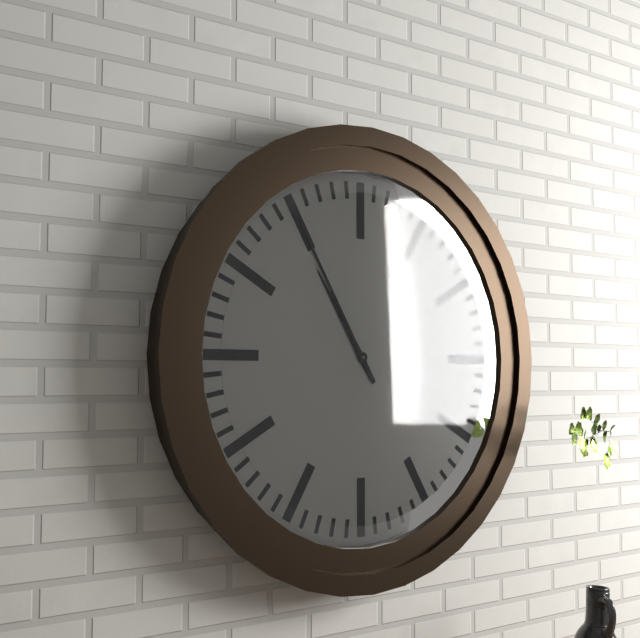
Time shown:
{"hour": 10, "minute": 55}
